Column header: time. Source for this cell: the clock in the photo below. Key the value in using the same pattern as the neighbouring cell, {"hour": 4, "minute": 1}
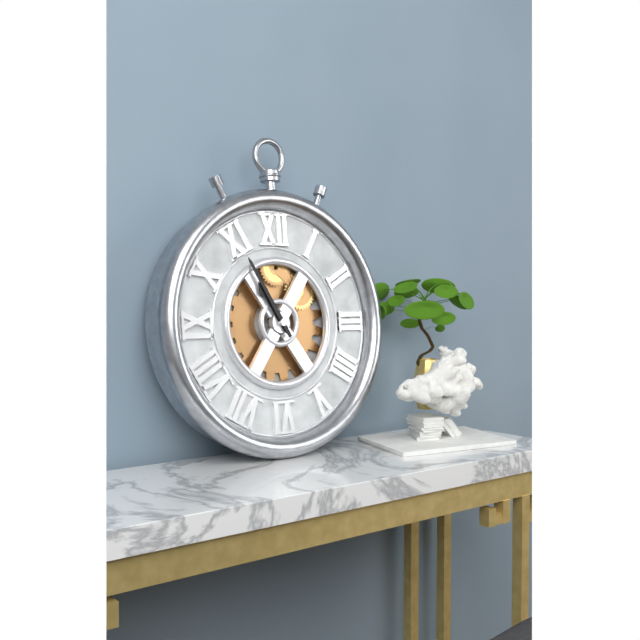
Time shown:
{"hour": 10, "minute": 55}
